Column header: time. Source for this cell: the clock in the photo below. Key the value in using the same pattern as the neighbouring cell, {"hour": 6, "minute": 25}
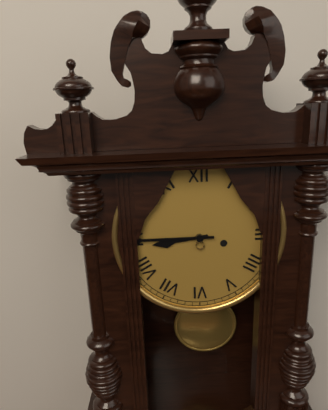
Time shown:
{"hour": 8, "minute": 45}
